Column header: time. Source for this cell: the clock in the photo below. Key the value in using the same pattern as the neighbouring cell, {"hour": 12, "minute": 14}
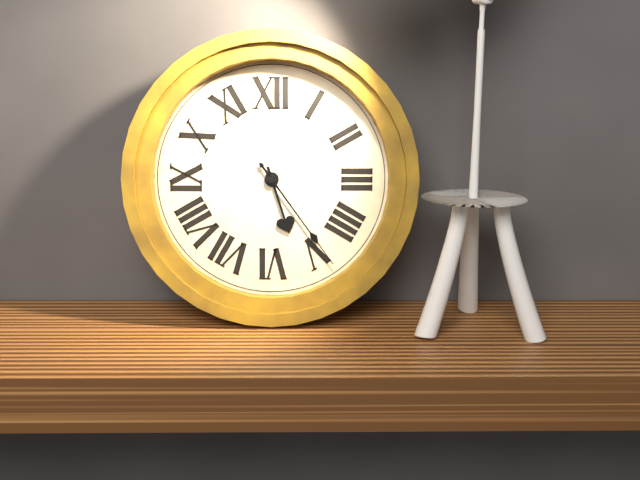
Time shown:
{"hour": 5, "minute": 24}
